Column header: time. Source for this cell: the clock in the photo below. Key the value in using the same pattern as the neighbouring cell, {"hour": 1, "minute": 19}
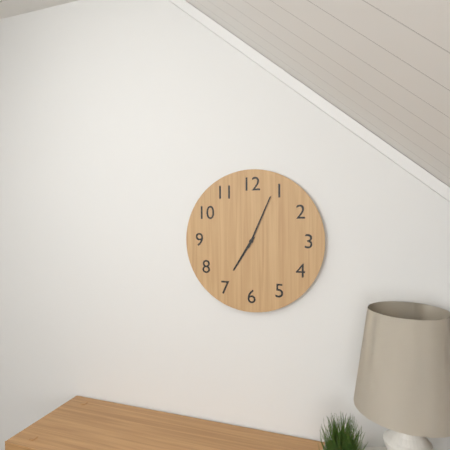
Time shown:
{"hour": 7, "minute": 4}
